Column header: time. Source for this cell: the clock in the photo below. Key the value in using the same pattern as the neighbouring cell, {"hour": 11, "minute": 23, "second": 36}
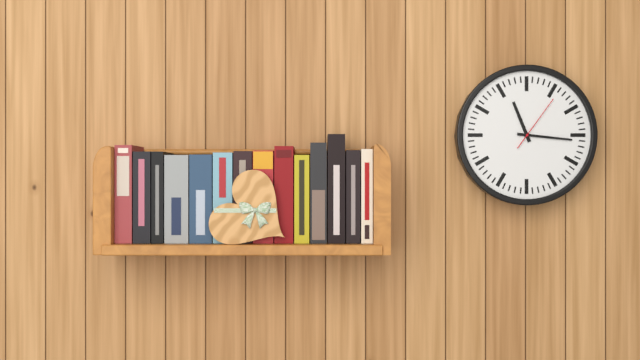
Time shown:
{"hour": 11, "minute": 16, "second": 6}
